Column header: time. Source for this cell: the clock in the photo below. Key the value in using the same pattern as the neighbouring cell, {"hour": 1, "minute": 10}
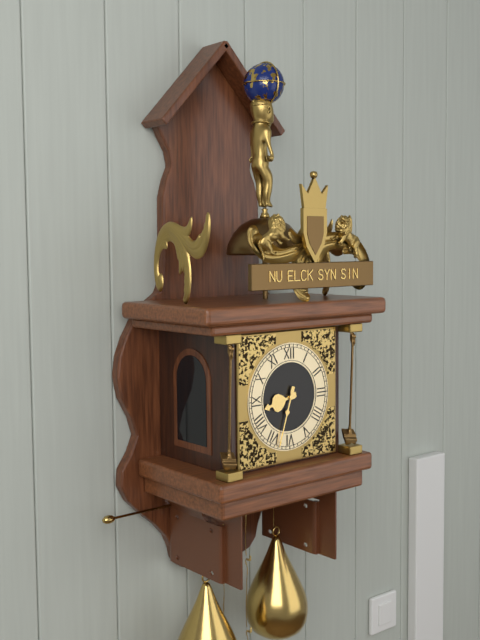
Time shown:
{"hour": 8, "minute": 33}
